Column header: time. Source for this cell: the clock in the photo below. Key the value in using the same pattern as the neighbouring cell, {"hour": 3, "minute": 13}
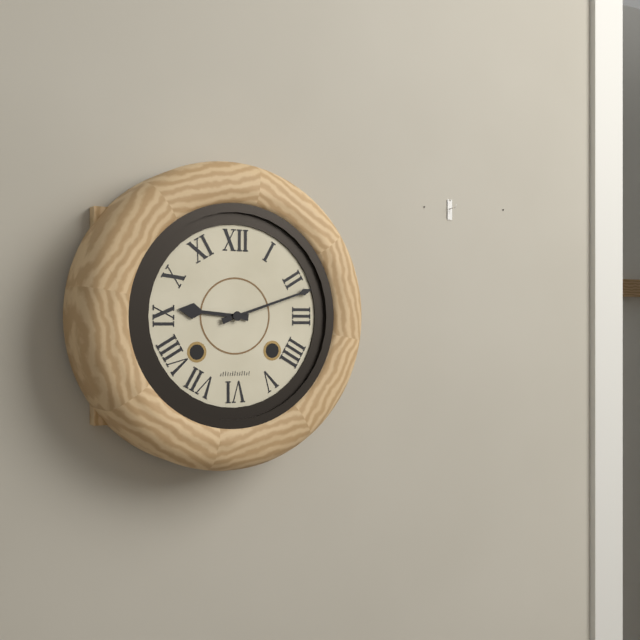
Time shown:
{"hour": 9, "minute": 12}
